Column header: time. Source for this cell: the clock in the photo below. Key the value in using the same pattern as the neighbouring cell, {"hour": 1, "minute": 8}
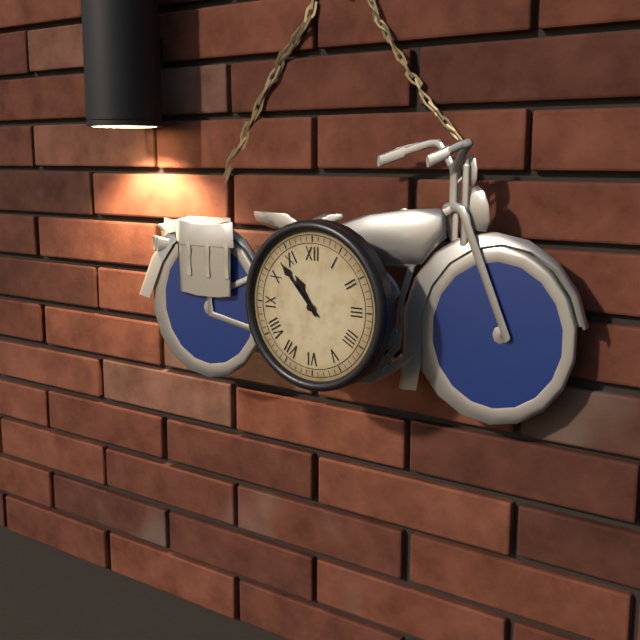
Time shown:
{"hour": 10, "minute": 53}
